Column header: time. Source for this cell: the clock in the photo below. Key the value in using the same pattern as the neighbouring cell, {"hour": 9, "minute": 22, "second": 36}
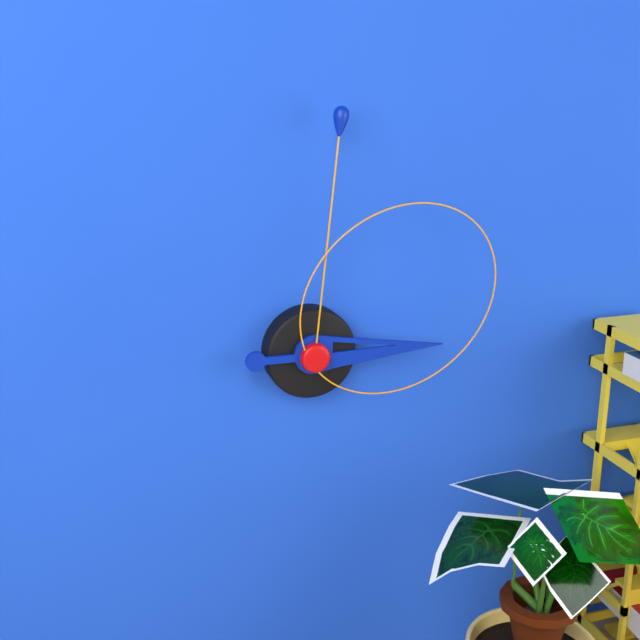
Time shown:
{"hour": 3, "minute": 1, "second": 10}
